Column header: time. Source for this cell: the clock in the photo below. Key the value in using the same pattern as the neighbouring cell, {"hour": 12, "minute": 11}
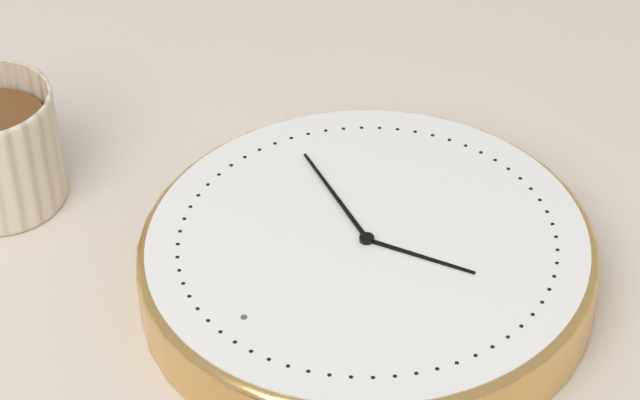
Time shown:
{"hour": 8, "minute": 18}
